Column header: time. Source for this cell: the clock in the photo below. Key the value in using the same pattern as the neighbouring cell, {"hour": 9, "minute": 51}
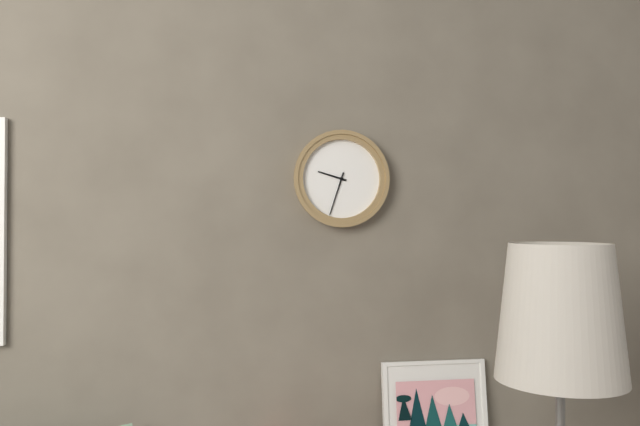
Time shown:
{"hour": 9, "minute": 33}
